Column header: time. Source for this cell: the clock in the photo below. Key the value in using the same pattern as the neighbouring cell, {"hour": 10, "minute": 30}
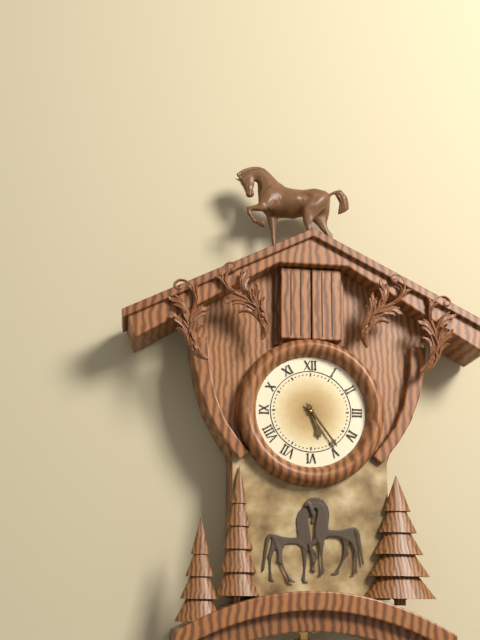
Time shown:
{"hour": 5, "minute": 24}
